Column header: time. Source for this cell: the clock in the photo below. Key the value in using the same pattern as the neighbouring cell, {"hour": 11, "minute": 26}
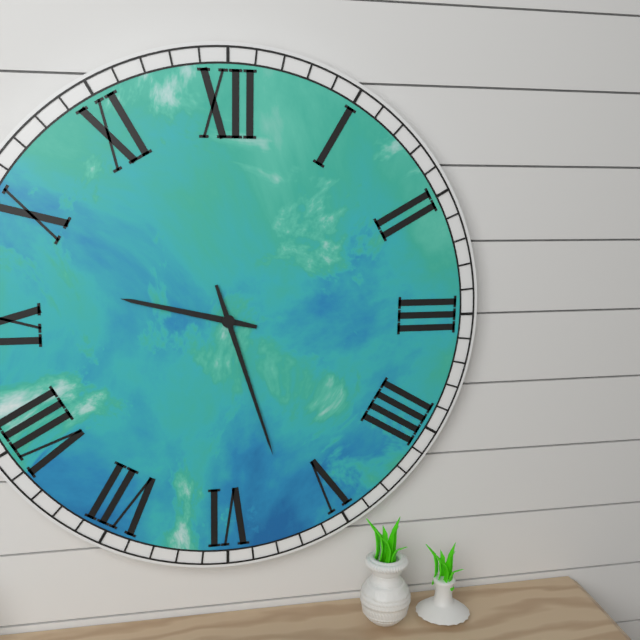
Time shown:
{"hour": 9, "minute": 27}
